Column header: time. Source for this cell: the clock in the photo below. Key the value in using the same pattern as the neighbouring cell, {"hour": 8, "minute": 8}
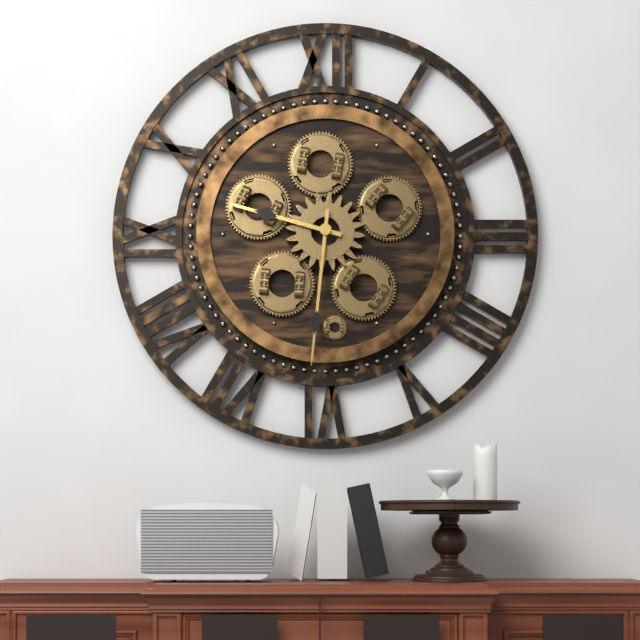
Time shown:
{"hour": 9, "minute": 31}
